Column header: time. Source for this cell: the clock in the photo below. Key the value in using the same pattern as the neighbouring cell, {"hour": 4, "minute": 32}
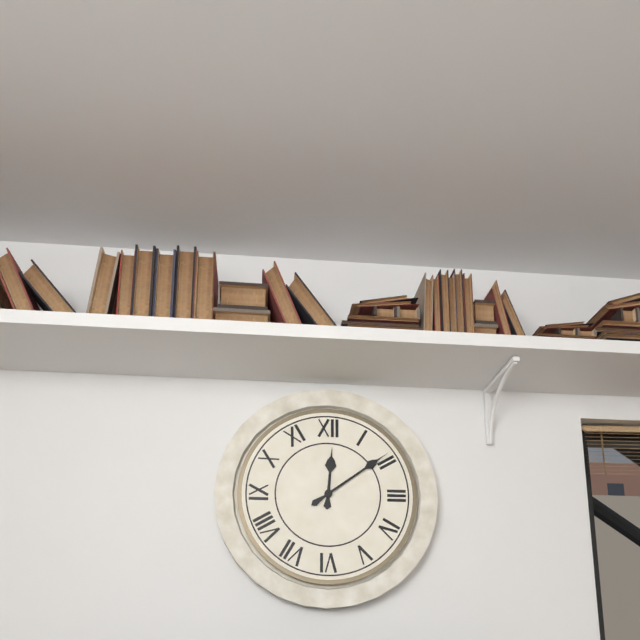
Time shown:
{"hour": 12, "minute": 9}
